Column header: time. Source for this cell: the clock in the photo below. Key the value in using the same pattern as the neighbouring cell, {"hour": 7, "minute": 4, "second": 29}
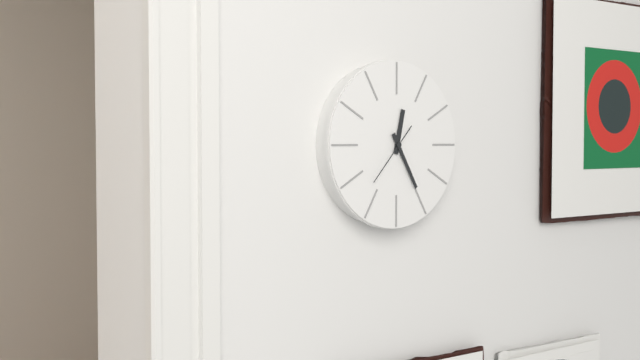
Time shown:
{"hour": 12, "minute": 25, "second": 37}
